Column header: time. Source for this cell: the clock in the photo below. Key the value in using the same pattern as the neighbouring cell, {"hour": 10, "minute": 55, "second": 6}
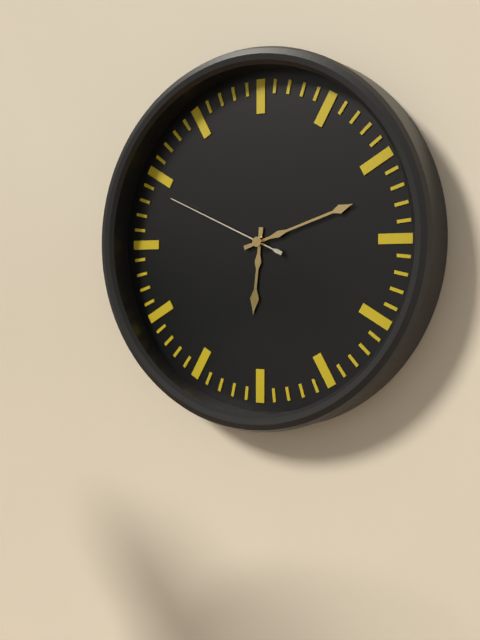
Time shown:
{"hour": 6, "minute": 12, "second": 49}
